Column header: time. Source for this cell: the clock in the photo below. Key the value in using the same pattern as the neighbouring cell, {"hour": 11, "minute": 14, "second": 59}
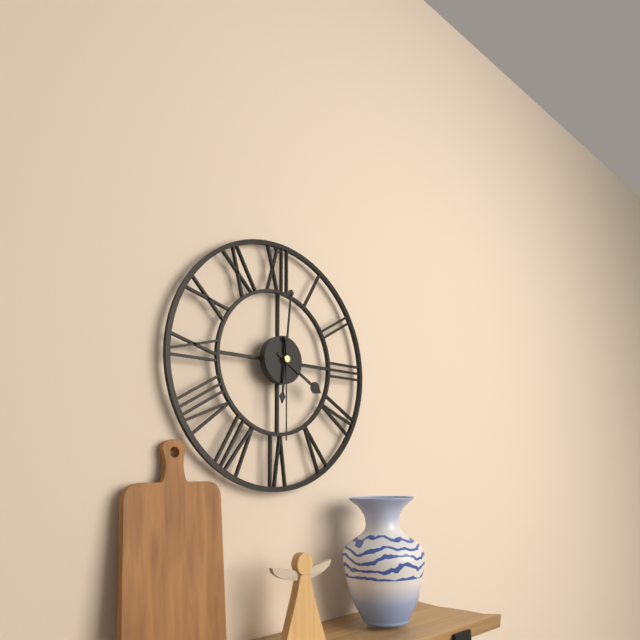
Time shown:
{"hour": 4, "minute": 1, "second": 30}
